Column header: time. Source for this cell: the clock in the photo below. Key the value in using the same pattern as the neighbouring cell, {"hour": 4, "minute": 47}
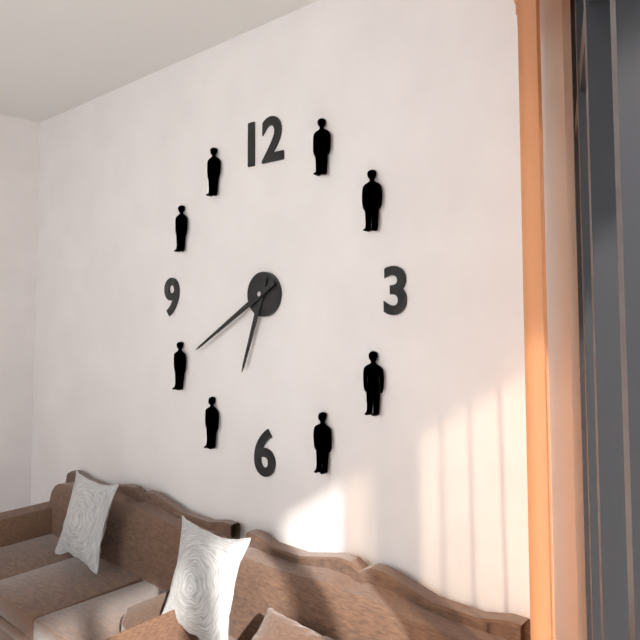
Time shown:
{"hour": 6, "minute": 40}
